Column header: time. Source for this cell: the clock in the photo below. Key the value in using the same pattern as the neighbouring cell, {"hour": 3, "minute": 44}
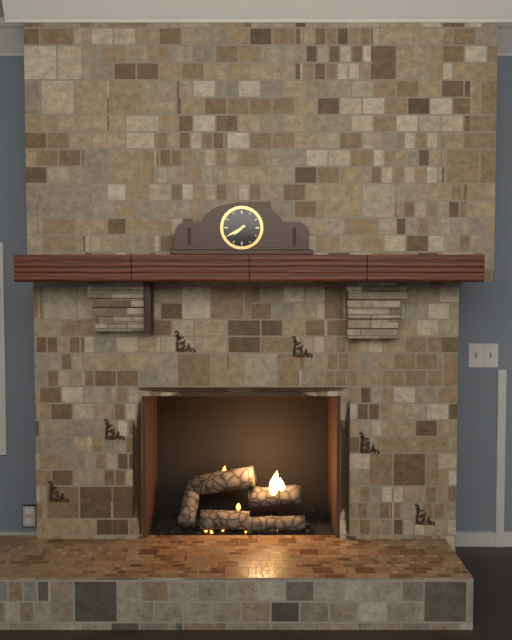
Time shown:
{"hour": 7, "minute": 40}
